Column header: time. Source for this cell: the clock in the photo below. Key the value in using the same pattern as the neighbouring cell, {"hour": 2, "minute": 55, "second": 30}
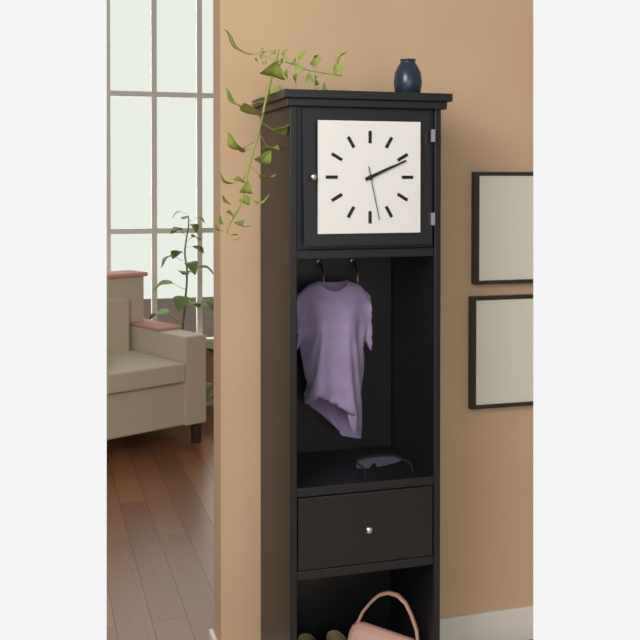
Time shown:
{"hour": 2, "minute": 11, "second": 28}
